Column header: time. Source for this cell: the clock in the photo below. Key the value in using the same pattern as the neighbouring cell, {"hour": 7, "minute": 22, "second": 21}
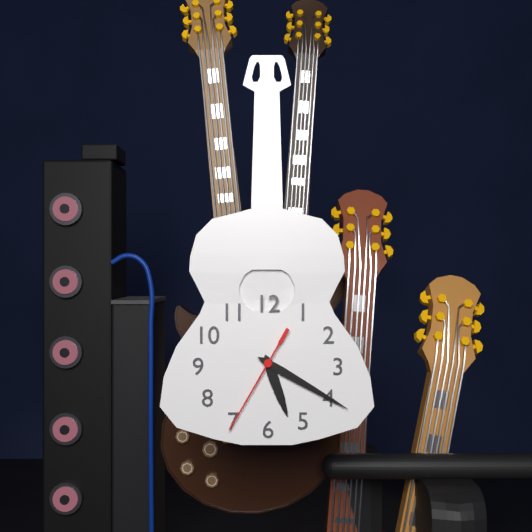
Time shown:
{"hour": 5, "minute": 20, "second": 35}
